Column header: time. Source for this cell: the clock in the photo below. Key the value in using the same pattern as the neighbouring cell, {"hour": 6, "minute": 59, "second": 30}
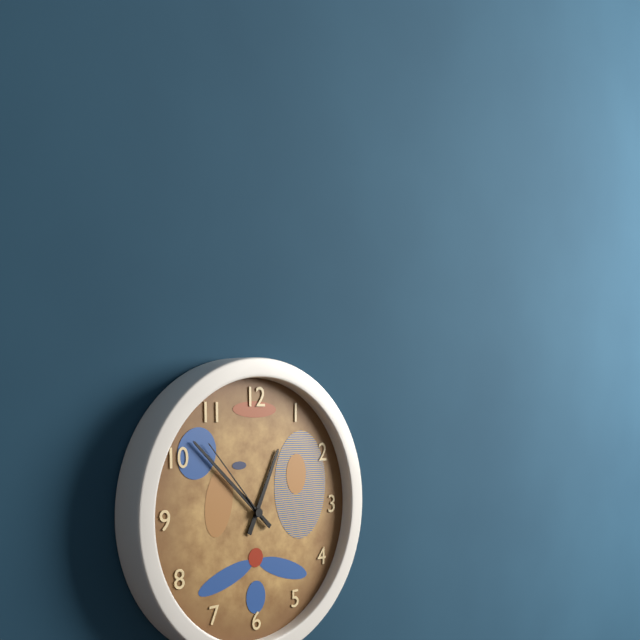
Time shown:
{"hour": 12, "minute": 52, "second": 53}
